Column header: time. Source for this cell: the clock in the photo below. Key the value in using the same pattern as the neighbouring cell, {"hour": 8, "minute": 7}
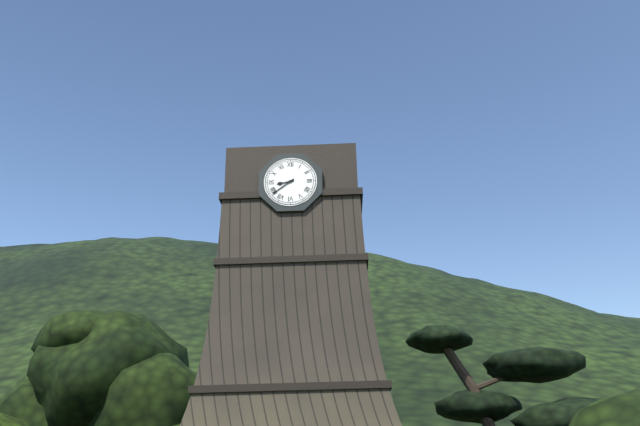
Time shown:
{"hour": 8, "minute": 39}
